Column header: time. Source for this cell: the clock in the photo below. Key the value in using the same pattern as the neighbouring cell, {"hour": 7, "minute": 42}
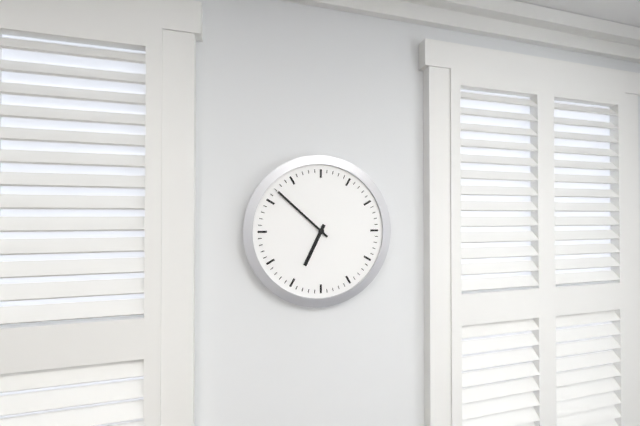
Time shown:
{"hour": 6, "minute": 52}
